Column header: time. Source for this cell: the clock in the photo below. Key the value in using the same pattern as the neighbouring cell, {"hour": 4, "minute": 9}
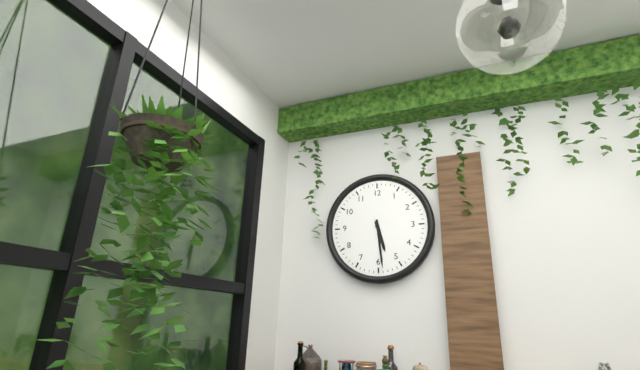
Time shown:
{"hour": 5, "minute": 29}
